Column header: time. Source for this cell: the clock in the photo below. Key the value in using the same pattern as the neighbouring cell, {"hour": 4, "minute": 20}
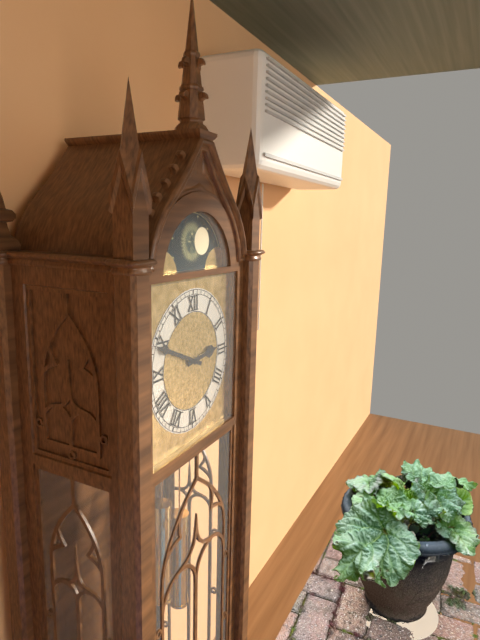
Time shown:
{"hour": 2, "minute": 49}
